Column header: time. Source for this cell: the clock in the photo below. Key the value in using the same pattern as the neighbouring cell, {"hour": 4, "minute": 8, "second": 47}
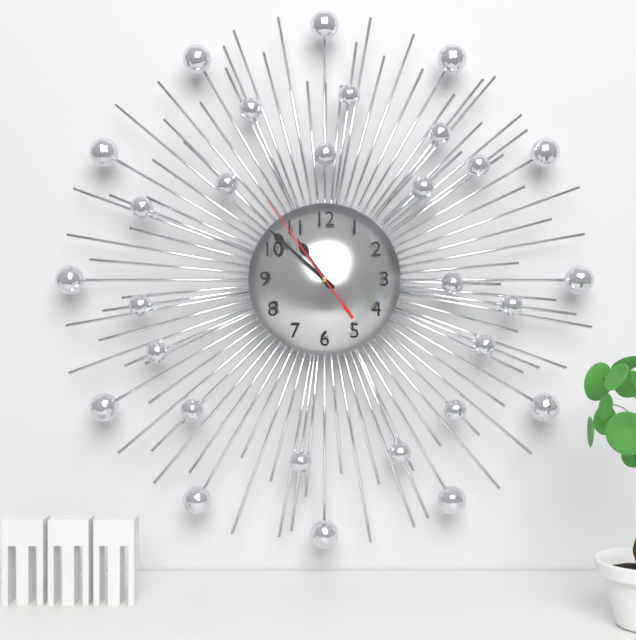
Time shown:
{"hour": 10, "minute": 52, "second": 54}
